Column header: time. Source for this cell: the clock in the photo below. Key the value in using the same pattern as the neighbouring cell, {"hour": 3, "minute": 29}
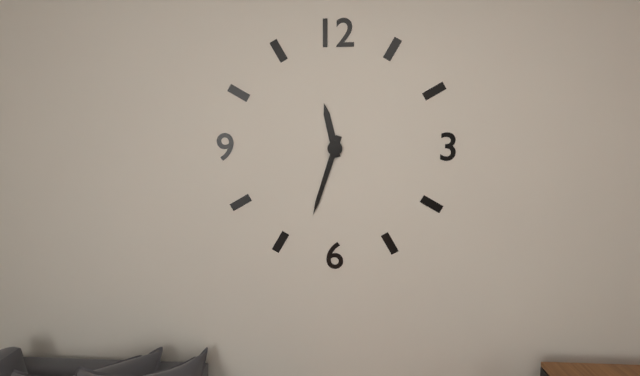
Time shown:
{"hour": 11, "minute": 33}
